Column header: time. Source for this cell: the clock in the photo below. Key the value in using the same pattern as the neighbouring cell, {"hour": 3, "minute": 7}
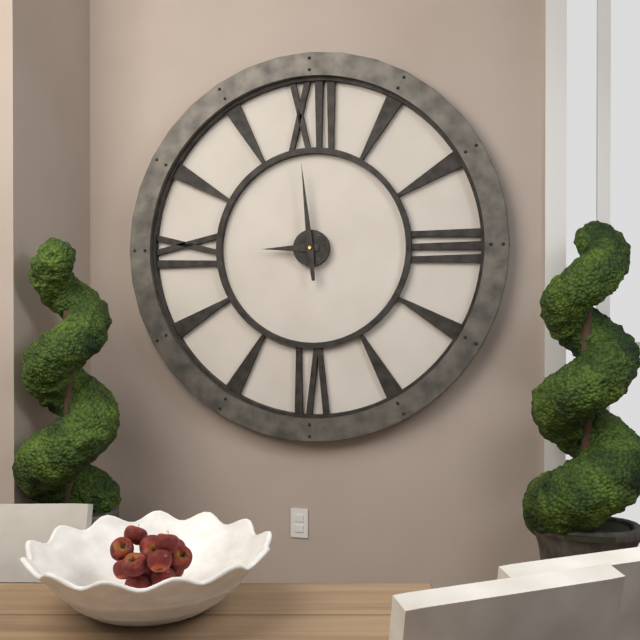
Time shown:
{"hour": 8, "minute": 59}
